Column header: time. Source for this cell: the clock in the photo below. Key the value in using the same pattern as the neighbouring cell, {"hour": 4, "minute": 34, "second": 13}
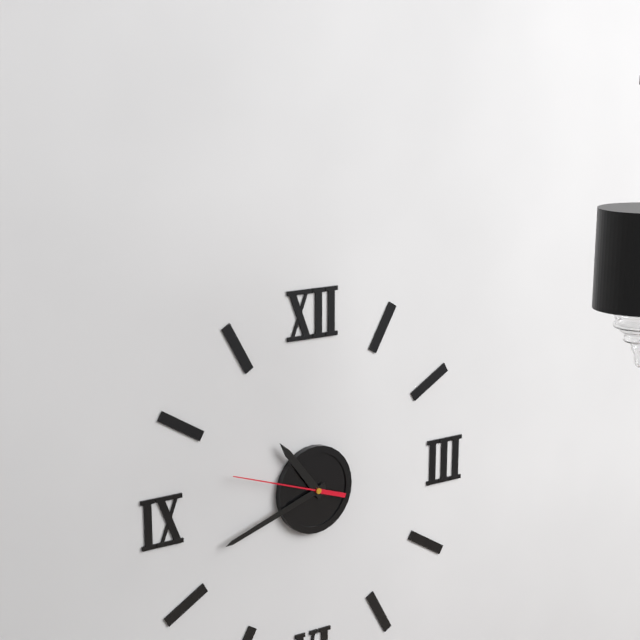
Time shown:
{"hour": 10, "minute": 42, "second": 48}
